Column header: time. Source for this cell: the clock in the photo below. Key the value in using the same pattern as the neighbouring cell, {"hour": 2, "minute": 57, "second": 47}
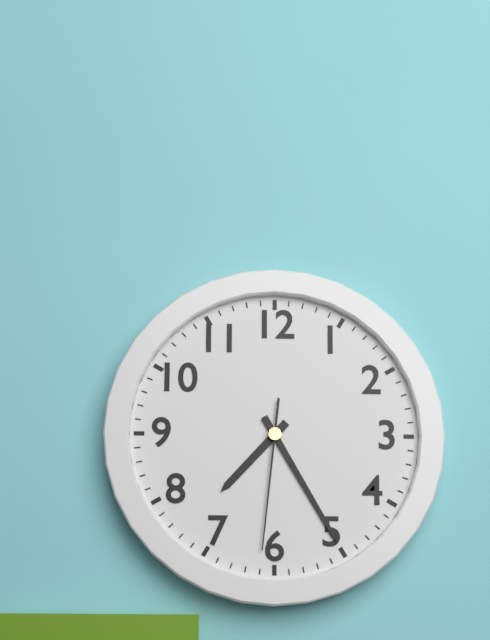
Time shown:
{"hour": 7, "minute": 25, "second": 31}
